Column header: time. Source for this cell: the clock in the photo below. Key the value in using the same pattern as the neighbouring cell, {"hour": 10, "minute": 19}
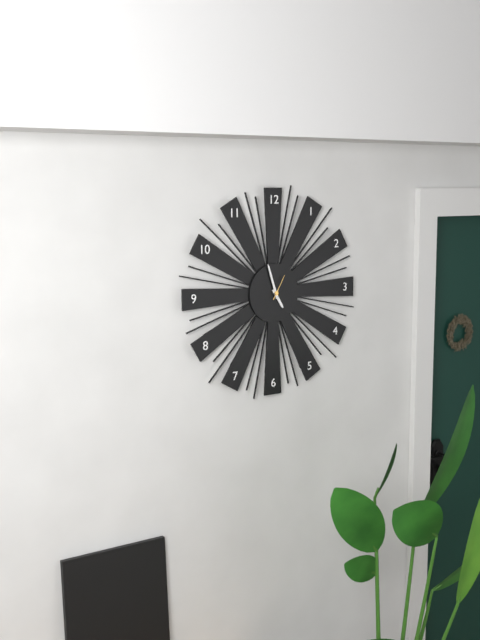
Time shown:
{"hour": 4, "minute": 57}
